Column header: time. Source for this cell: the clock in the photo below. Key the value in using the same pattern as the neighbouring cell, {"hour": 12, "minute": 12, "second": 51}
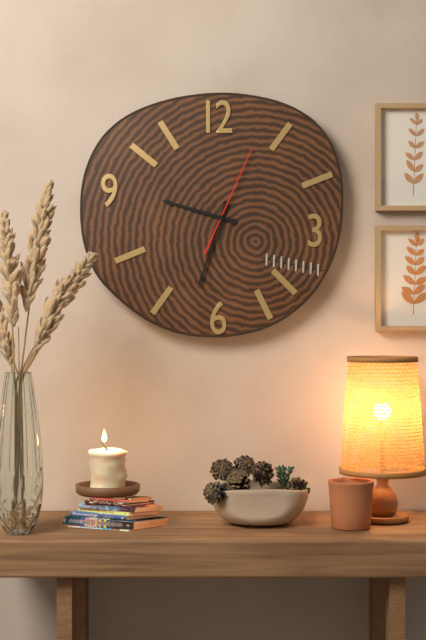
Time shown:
{"hour": 9, "minute": 33, "second": 4}
